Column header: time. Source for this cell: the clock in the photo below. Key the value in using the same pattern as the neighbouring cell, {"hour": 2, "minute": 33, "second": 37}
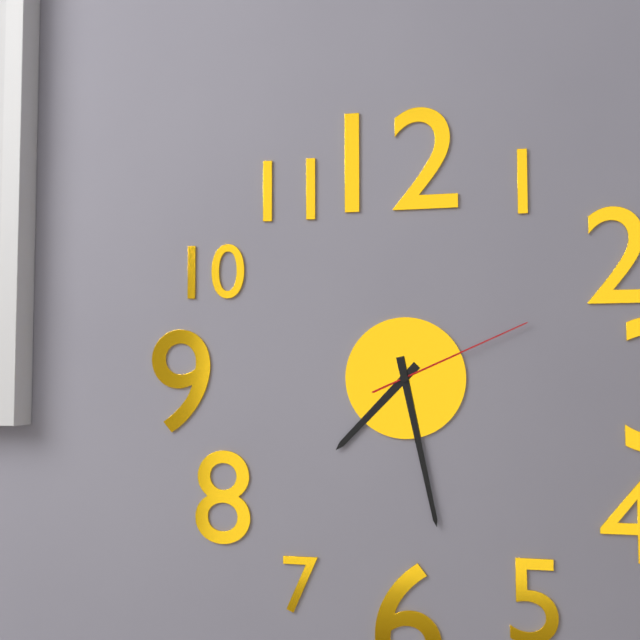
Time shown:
{"hour": 7, "minute": 28, "second": 11}
